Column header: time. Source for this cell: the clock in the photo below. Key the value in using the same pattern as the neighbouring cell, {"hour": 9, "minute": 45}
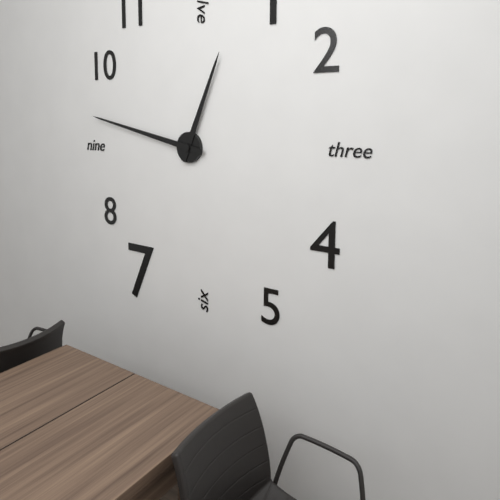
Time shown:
{"hour": 12, "minute": 47}
